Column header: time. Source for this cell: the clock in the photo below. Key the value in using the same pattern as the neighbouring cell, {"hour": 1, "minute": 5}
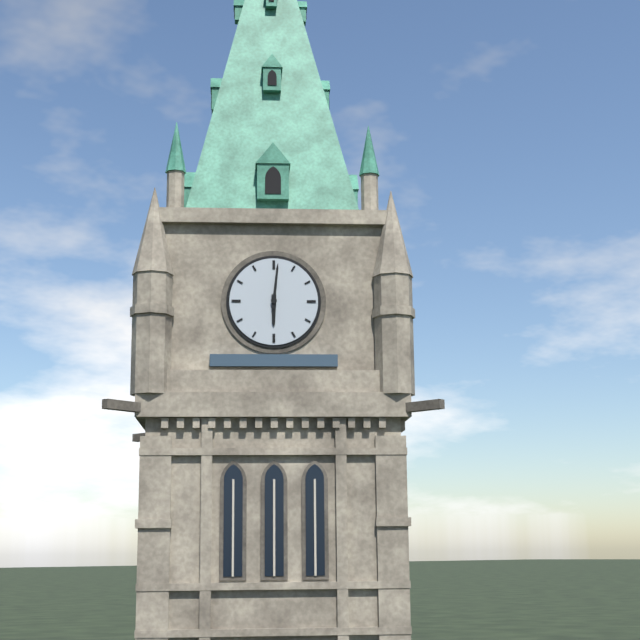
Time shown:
{"hour": 6, "minute": 1}
